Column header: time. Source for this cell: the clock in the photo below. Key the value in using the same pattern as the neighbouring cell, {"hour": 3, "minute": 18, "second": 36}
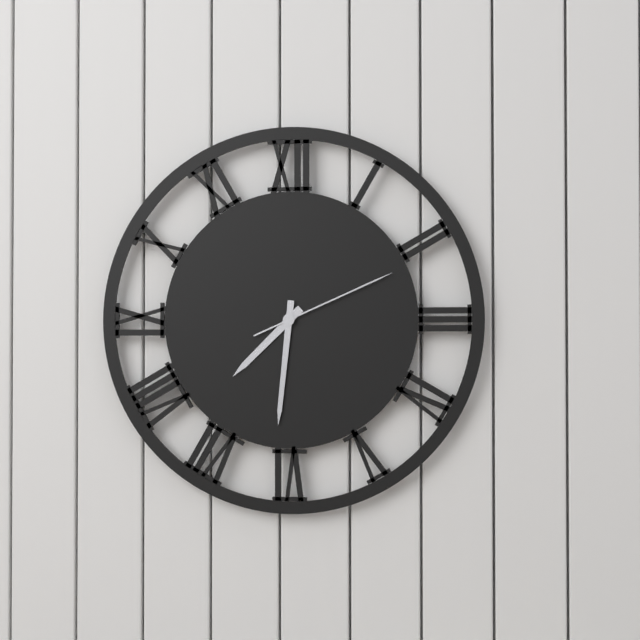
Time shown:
{"hour": 7, "minute": 31, "second": 11}
